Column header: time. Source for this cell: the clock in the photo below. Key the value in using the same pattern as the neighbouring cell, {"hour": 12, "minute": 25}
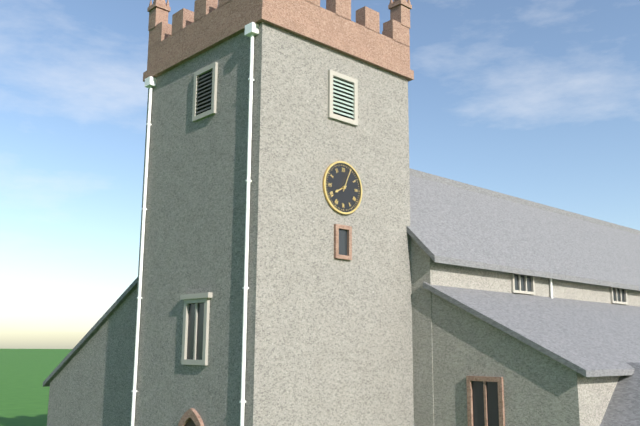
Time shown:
{"hour": 8, "minute": 4}
